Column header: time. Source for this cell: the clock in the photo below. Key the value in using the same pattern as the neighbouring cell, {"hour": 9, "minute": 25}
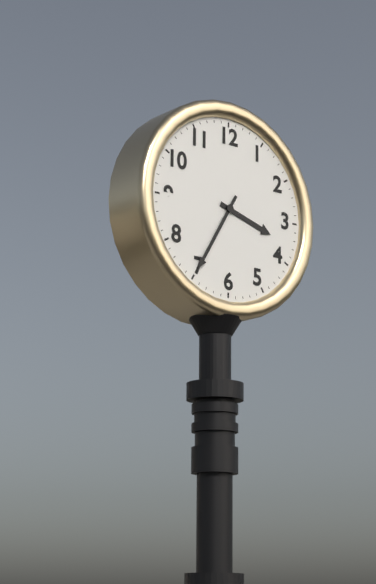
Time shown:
{"hour": 3, "minute": 35}
